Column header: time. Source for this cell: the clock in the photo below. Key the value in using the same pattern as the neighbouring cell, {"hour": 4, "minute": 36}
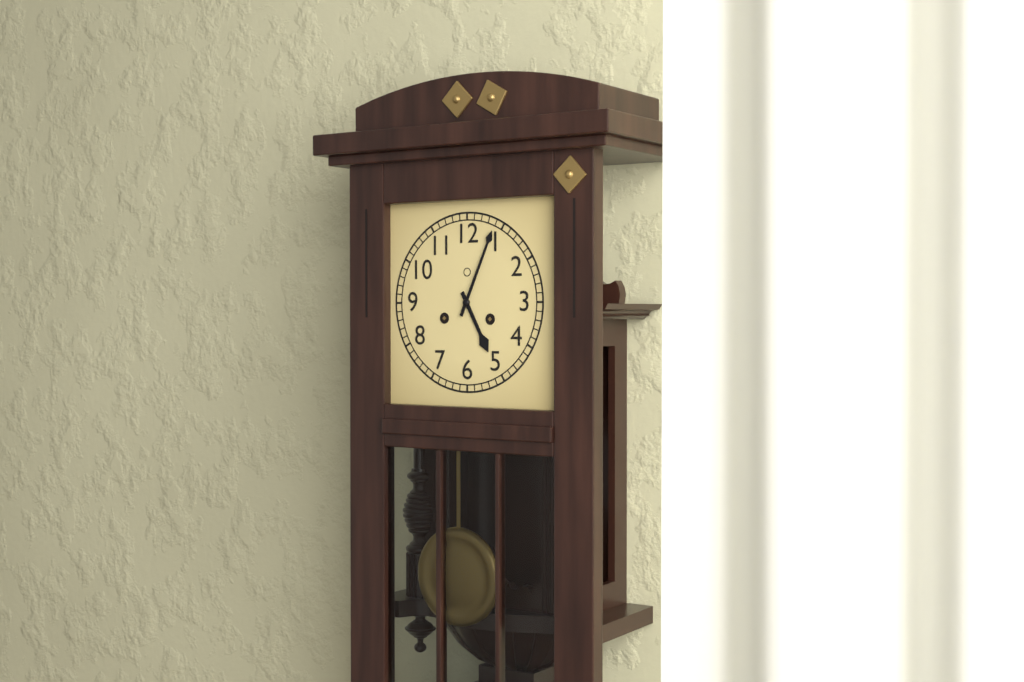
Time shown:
{"hour": 5, "minute": 4}
